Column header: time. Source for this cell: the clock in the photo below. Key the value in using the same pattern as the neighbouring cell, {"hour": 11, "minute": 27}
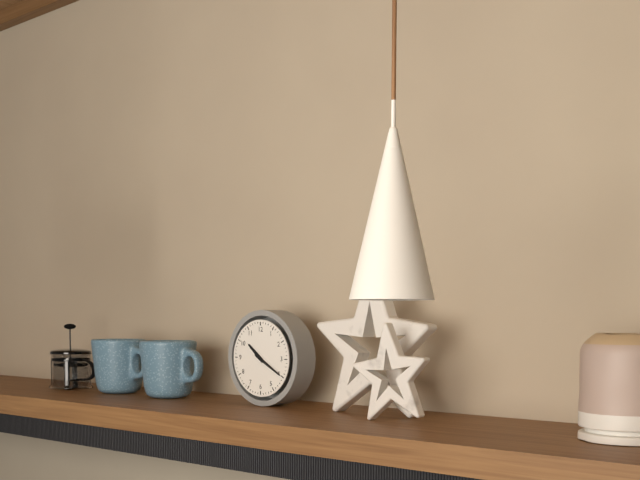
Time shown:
{"hour": 10, "minute": 20}
